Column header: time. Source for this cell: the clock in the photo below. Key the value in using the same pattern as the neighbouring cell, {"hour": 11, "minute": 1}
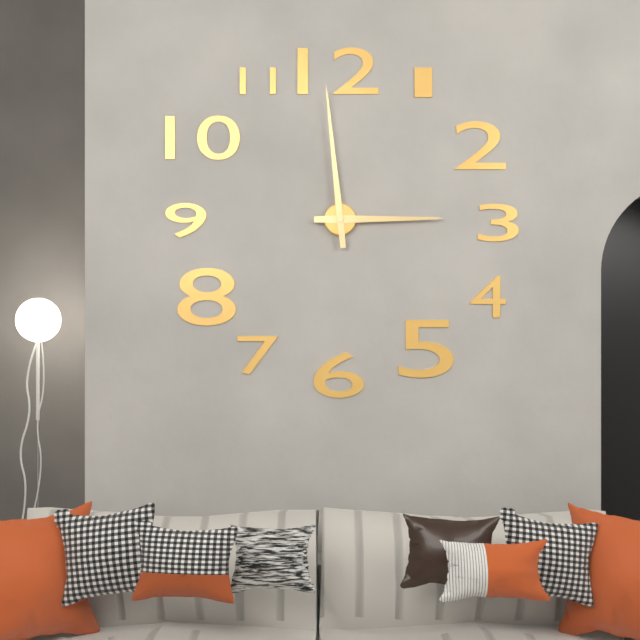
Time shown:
{"hour": 2, "minute": 59}
